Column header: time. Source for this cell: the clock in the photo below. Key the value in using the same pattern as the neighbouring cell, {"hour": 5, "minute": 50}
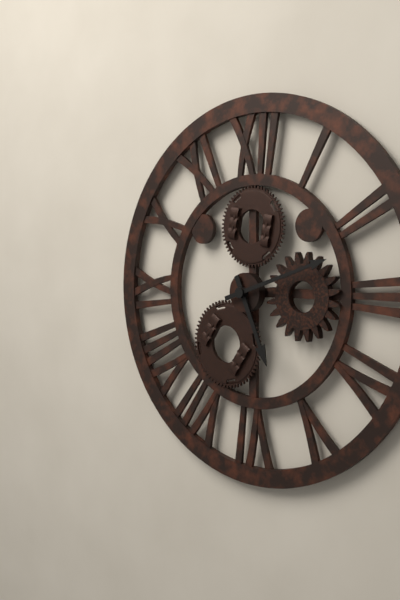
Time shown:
{"hour": 5, "minute": 12}
